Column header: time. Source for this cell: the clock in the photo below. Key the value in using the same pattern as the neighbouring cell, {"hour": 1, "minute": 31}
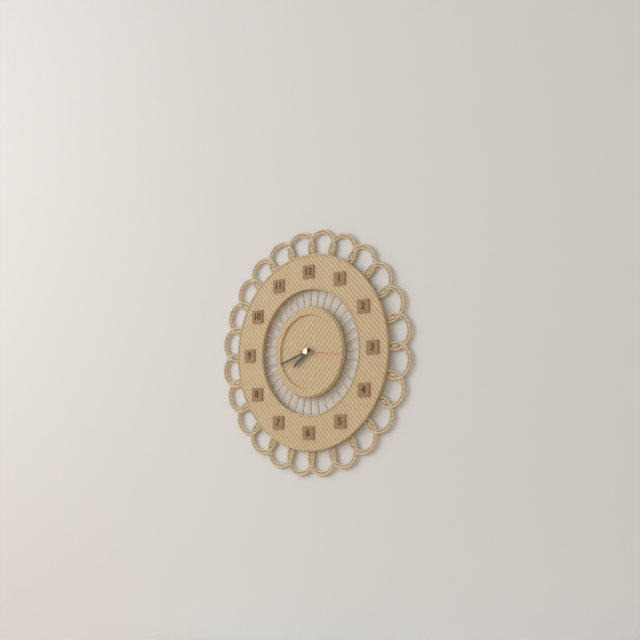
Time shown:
{"hour": 7, "minute": 42}
